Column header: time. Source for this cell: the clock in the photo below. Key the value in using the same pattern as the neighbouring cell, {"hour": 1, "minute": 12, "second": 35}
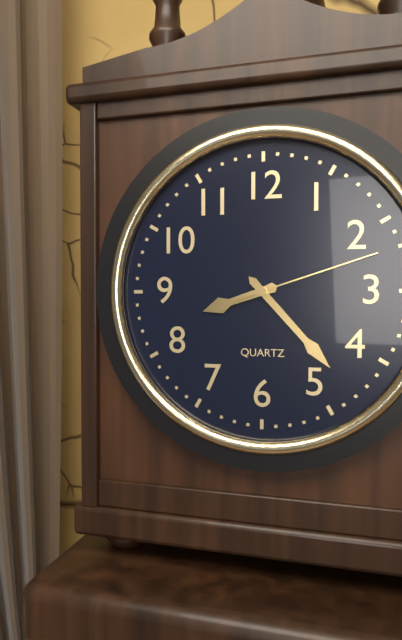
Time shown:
{"hour": 8, "minute": 23, "second": 12}
